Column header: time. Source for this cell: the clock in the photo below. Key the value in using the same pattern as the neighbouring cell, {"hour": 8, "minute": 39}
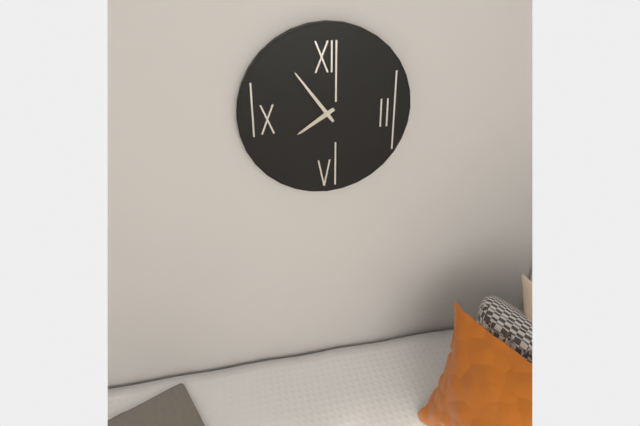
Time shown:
{"hour": 7, "minute": 54}
